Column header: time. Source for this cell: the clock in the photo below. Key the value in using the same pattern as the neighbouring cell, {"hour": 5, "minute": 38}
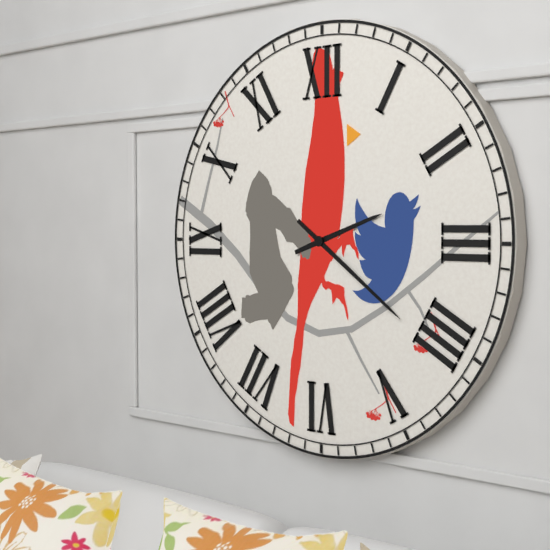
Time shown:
{"hour": 2, "minute": 21}
